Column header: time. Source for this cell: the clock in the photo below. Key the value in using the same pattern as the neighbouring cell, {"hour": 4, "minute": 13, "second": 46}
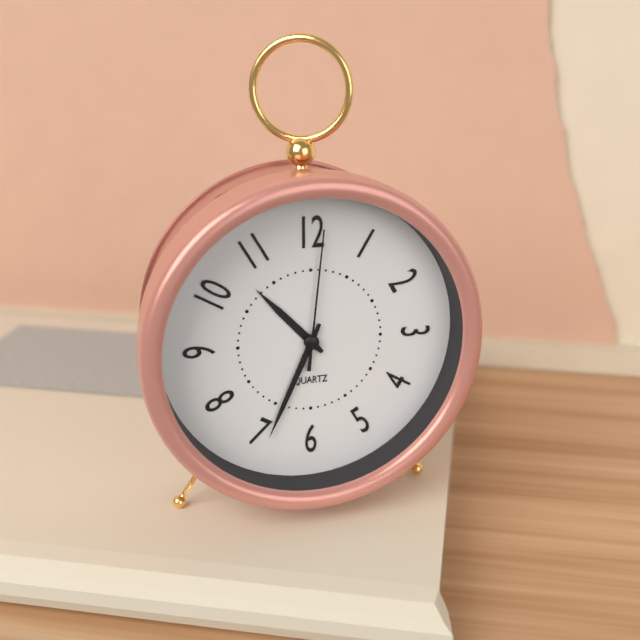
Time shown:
{"hour": 10, "minute": 34, "second": 1}
